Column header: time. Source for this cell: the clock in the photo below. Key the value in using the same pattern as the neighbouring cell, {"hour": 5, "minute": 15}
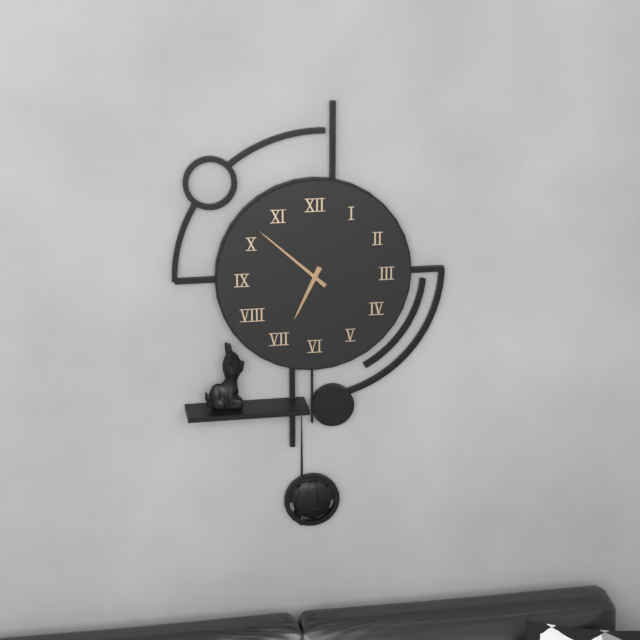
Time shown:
{"hour": 6, "minute": 52}
